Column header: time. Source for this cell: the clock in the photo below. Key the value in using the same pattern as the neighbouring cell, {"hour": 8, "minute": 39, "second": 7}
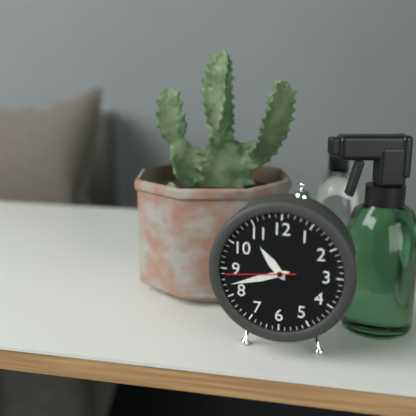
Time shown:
{"hour": 10, "minute": 42, "second": 44}
